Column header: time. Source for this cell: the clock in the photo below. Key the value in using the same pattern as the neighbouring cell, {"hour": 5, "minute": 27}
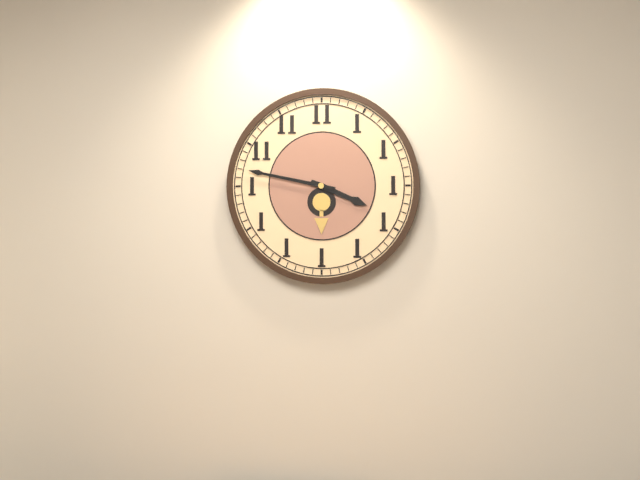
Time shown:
{"hour": 3, "minute": 47}
